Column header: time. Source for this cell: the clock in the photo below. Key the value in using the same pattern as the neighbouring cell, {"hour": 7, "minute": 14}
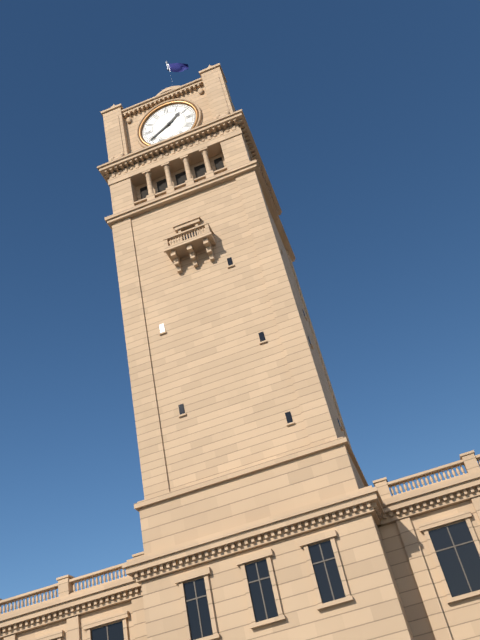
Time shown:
{"hour": 1, "minute": 40}
